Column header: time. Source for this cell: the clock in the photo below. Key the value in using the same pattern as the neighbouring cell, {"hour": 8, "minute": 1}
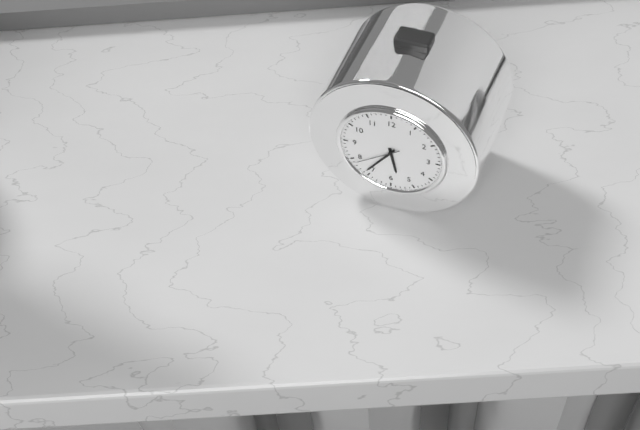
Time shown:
{"hour": 5, "minute": 36}
